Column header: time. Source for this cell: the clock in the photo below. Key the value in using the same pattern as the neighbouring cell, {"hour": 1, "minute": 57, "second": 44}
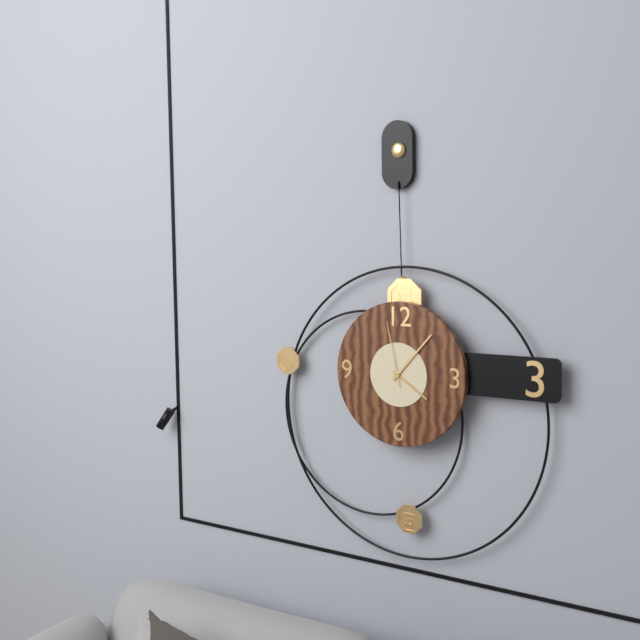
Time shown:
{"hour": 4, "minute": 7, "second": 58}
